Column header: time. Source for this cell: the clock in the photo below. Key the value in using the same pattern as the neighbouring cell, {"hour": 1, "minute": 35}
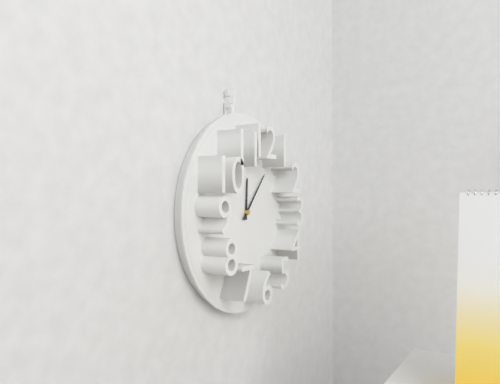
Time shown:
{"hour": 12, "minute": 7}
